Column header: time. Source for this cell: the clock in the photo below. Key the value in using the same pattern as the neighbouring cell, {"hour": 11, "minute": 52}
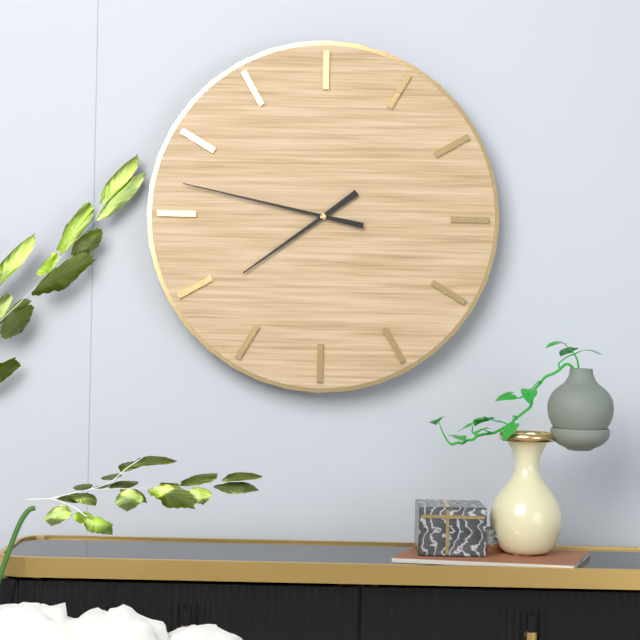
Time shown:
{"hour": 7, "minute": 47}
